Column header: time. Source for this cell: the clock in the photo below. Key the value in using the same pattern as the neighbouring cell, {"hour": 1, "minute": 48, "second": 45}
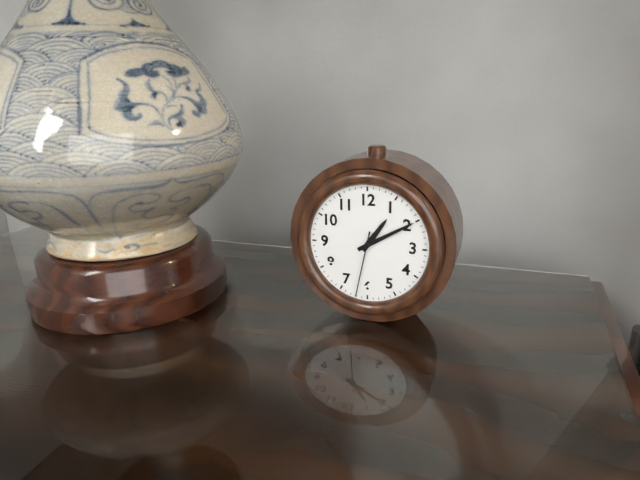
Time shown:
{"hour": 1, "minute": 10, "second": 32}
